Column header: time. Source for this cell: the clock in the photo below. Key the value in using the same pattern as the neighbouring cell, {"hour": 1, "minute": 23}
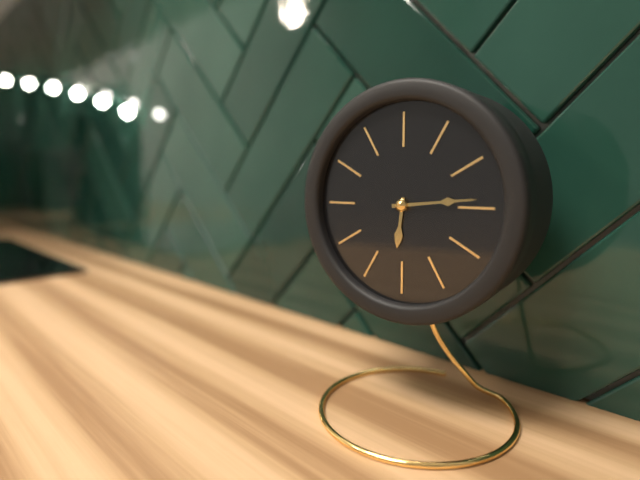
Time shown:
{"hour": 6, "minute": 14}
